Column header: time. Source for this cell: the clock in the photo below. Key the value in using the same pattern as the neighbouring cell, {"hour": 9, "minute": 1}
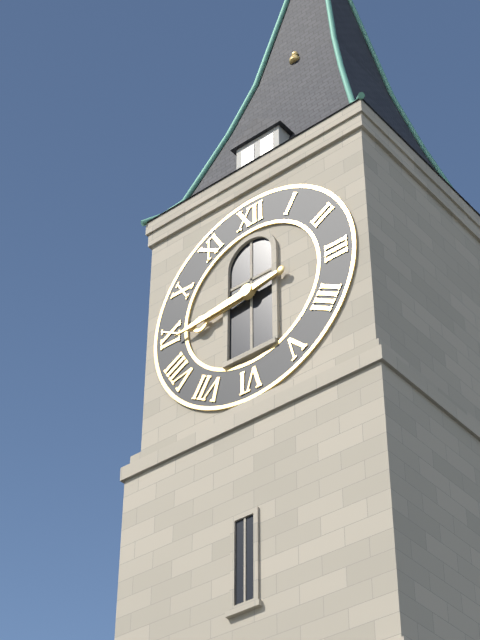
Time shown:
{"hour": 8, "minute": 44}
